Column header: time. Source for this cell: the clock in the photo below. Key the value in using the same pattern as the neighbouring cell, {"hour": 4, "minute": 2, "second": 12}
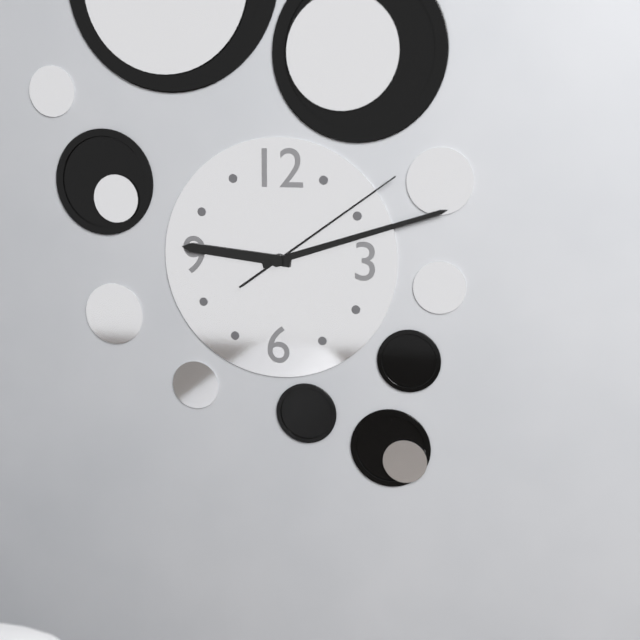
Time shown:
{"hour": 9, "minute": 12, "second": 9}
